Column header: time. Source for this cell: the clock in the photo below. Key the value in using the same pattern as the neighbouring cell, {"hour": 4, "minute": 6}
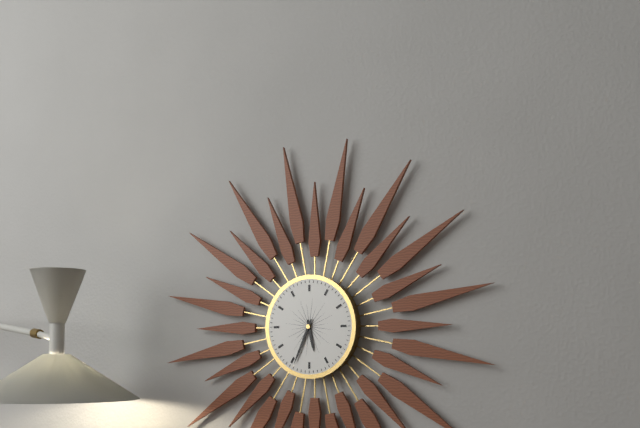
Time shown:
{"hour": 5, "minute": 34}
